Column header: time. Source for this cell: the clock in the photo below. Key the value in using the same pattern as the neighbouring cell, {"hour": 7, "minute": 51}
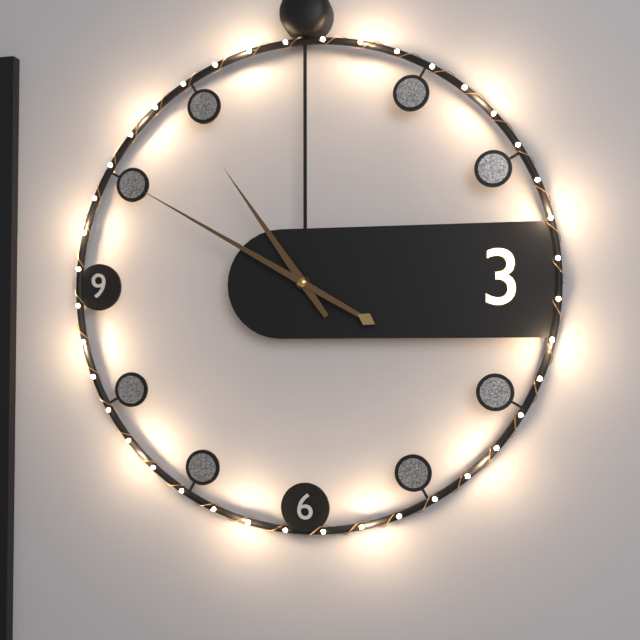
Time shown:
{"hour": 10, "minute": 50}
